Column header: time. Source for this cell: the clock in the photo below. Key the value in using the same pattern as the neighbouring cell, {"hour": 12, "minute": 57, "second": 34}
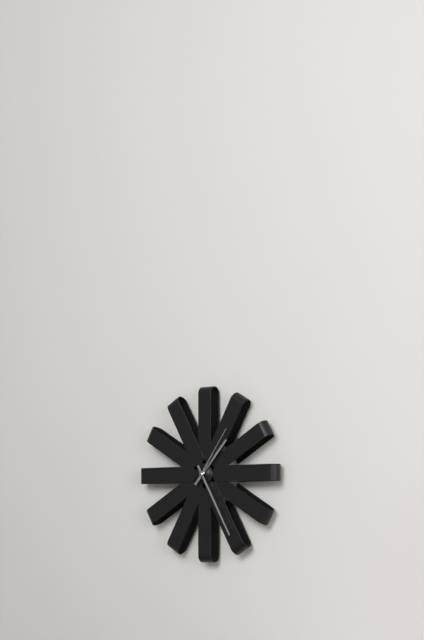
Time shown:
{"hour": 1, "minute": 25, "second": 6}
